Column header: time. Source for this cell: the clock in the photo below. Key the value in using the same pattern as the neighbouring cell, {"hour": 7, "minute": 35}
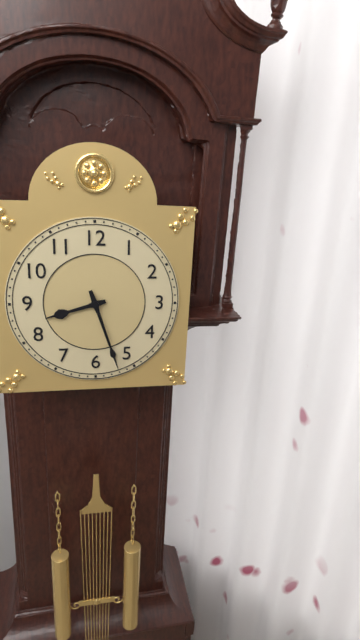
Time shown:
{"hour": 8, "minute": 27}
